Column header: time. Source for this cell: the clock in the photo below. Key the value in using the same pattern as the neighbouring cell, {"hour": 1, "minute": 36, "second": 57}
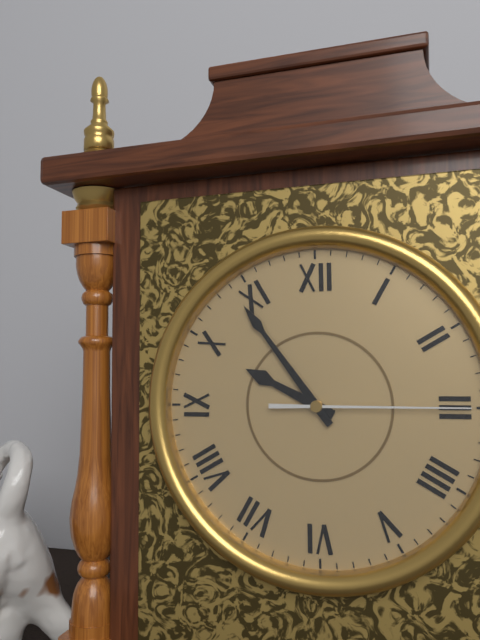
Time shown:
{"hour": 9, "minute": 54, "second": 15}
